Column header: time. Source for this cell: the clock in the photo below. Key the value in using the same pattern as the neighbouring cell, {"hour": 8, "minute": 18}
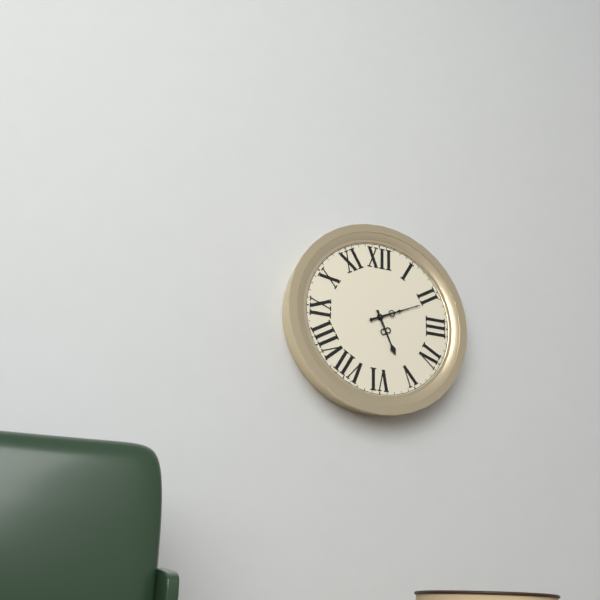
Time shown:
{"hour": 5, "minute": 11}
